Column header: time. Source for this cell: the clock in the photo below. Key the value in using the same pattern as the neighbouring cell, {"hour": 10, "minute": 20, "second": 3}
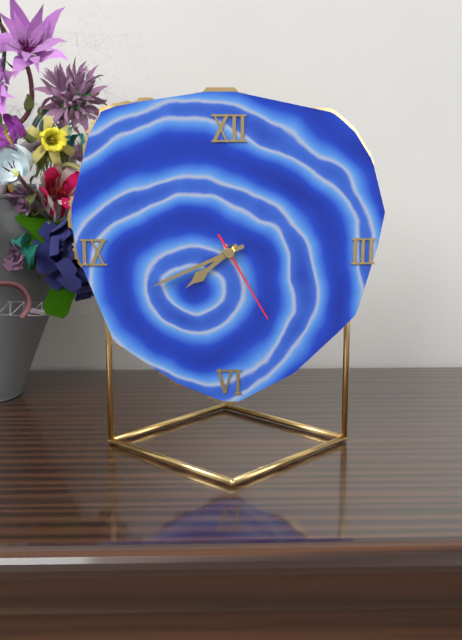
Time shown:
{"hour": 7, "minute": 41, "second": 25}
